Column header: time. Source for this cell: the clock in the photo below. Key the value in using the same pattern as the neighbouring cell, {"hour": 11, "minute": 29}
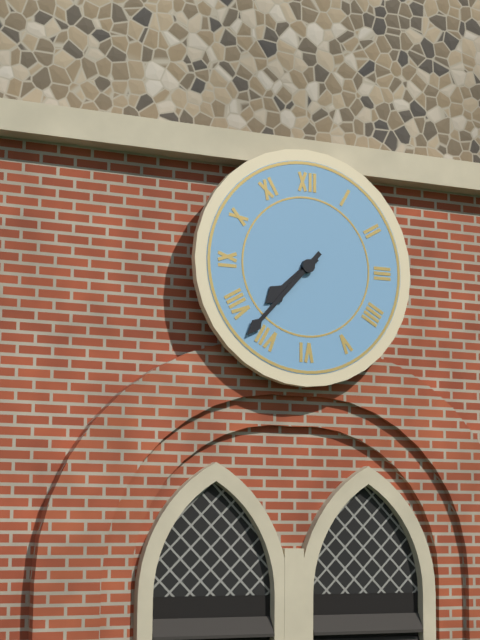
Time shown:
{"hour": 7, "minute": 37}
